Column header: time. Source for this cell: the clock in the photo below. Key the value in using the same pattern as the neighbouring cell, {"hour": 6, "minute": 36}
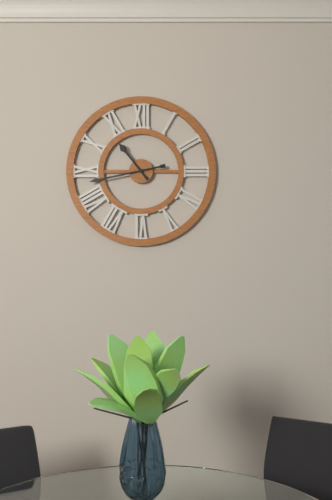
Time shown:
{"hour": 10, "minute": 43}
